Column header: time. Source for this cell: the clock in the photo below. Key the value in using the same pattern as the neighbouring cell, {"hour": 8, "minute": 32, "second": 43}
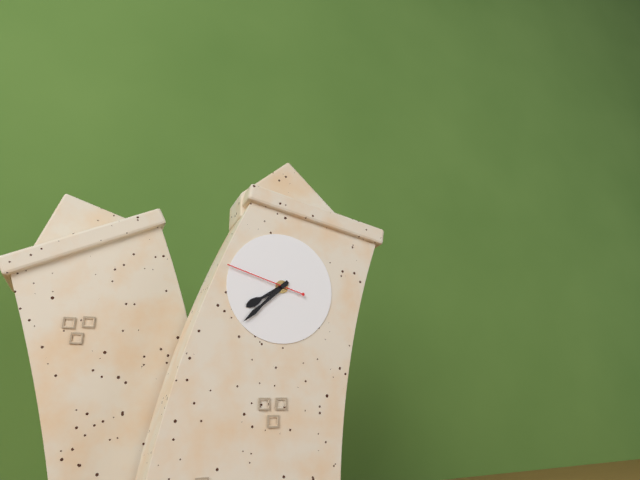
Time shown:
{"hour": 7, "minute": 36, "second": 46}
